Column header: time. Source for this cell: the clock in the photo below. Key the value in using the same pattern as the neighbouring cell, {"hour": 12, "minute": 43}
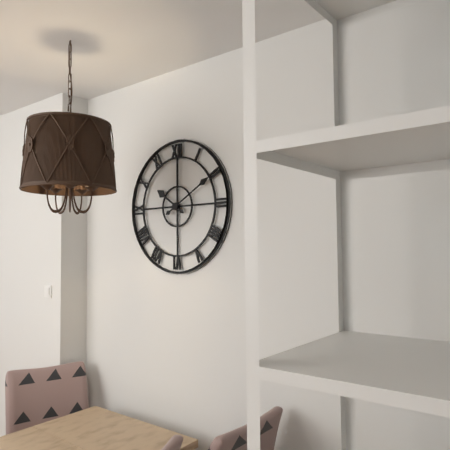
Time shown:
{"hour": 10, "minute": 10}
